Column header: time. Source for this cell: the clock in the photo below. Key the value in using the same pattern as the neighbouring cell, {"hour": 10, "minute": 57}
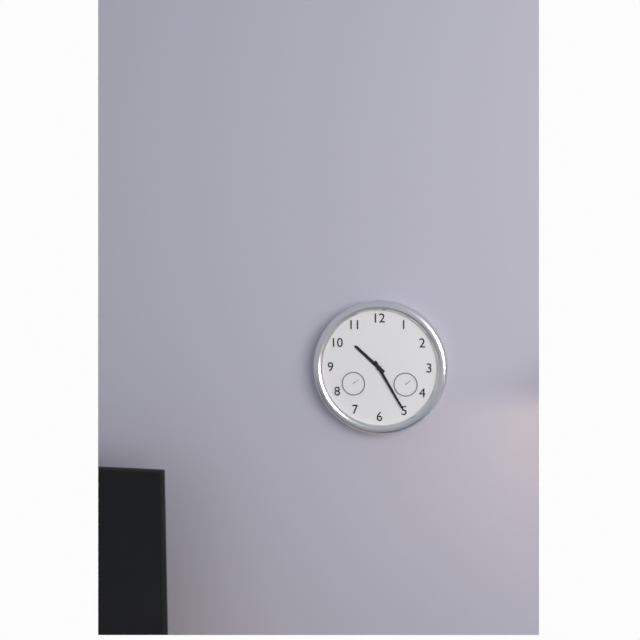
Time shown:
{"hour": 10, "minute": 25}
